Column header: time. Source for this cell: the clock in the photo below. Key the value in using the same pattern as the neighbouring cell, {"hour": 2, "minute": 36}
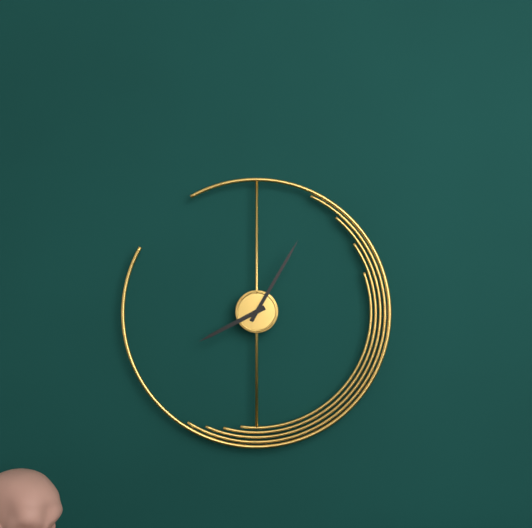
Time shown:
{"hour": 8, "minute": 5}
